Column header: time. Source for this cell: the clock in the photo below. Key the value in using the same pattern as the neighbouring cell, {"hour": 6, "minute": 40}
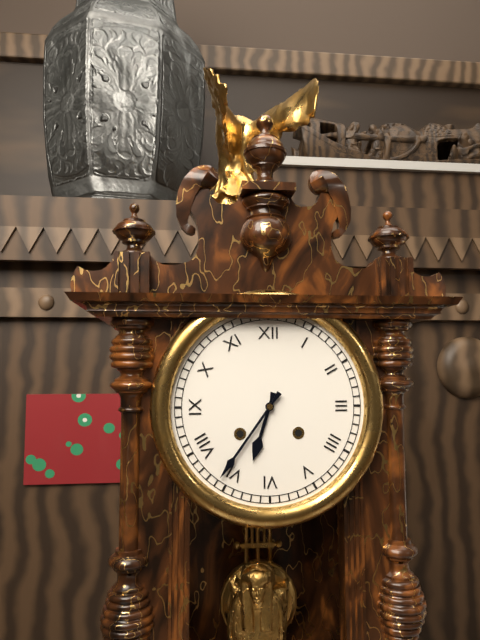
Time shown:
{"hour": 6, "minute": 36}
